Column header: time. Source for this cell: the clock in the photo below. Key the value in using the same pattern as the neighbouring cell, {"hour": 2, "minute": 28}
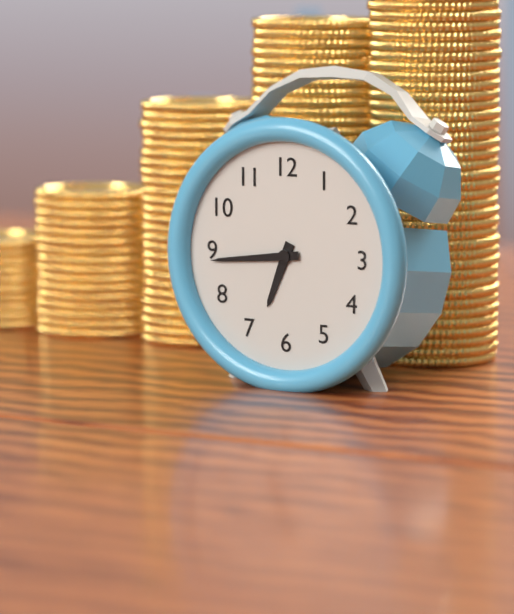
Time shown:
{"hour": 6, "minute": 44}
